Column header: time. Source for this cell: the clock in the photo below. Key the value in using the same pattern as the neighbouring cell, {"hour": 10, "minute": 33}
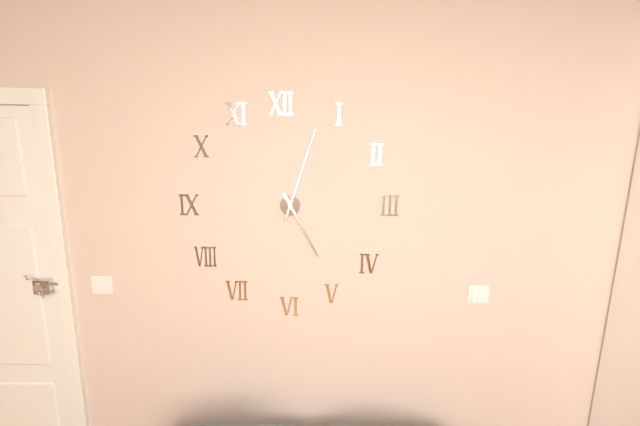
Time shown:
{"hour": 5, "minute": 3}
